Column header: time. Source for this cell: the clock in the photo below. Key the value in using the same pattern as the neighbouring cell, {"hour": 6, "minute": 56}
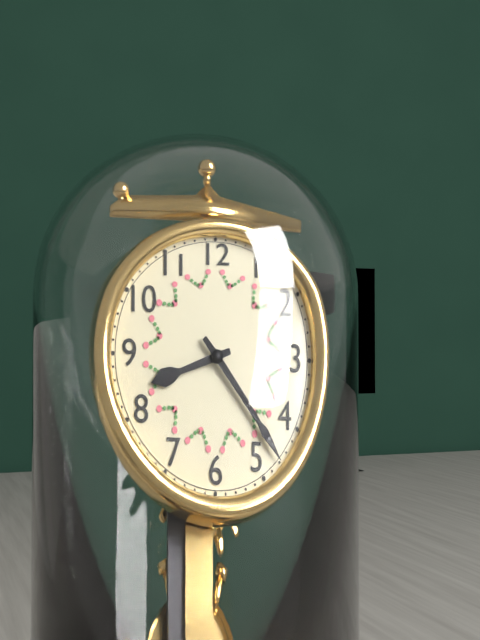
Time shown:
{"hour": 8, "minute": 23}
